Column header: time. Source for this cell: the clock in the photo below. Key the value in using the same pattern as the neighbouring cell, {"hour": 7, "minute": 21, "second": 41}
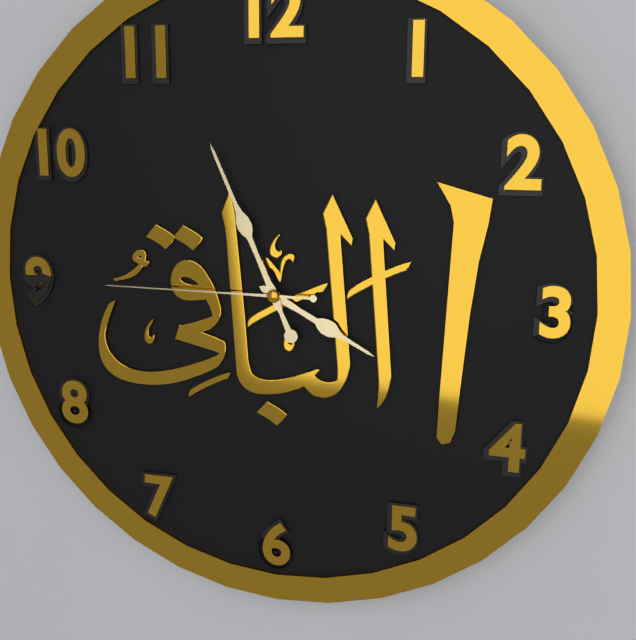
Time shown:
{"hour": 3, "minute": 56, "second": 45}
